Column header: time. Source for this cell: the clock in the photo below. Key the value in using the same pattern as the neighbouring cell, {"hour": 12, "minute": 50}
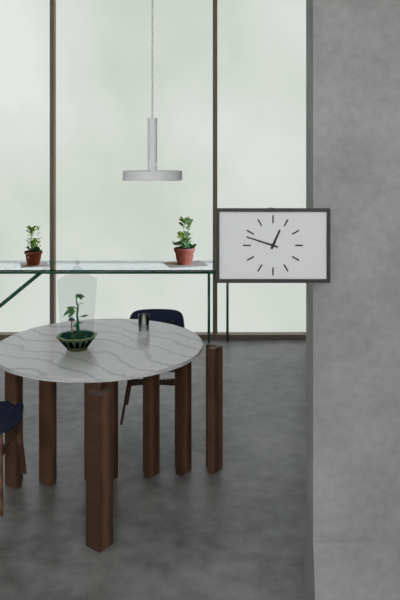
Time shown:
{"hour": 12, "minute": 48}
